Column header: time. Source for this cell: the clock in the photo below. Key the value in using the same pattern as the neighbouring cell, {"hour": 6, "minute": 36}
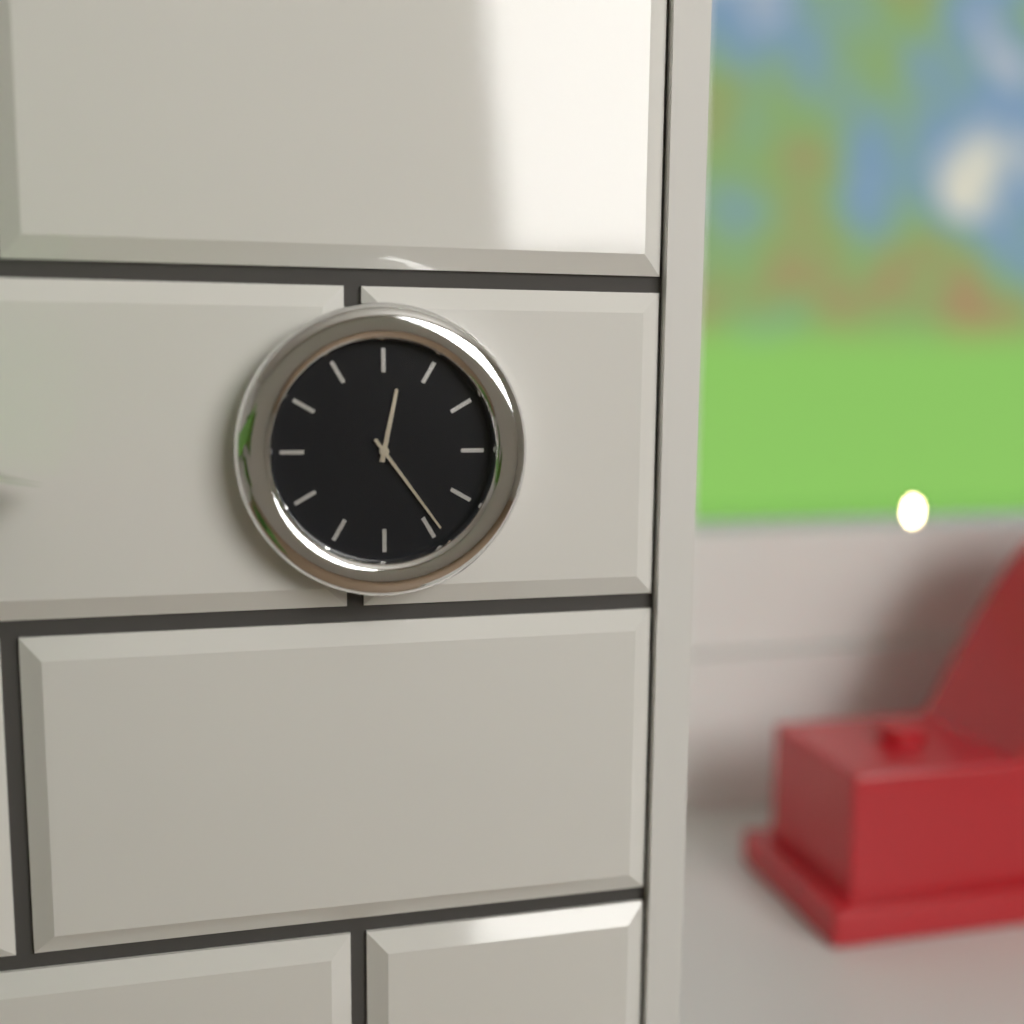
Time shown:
{"hour": 12, "minute": 24}
